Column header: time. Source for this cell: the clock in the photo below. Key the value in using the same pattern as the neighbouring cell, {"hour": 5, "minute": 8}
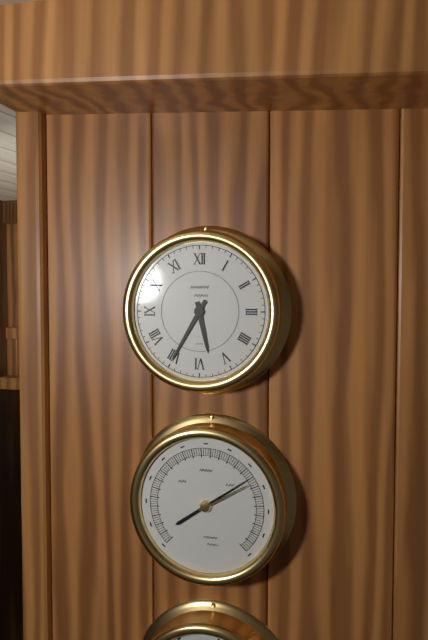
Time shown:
{"hour": 5, "minute": 35}
